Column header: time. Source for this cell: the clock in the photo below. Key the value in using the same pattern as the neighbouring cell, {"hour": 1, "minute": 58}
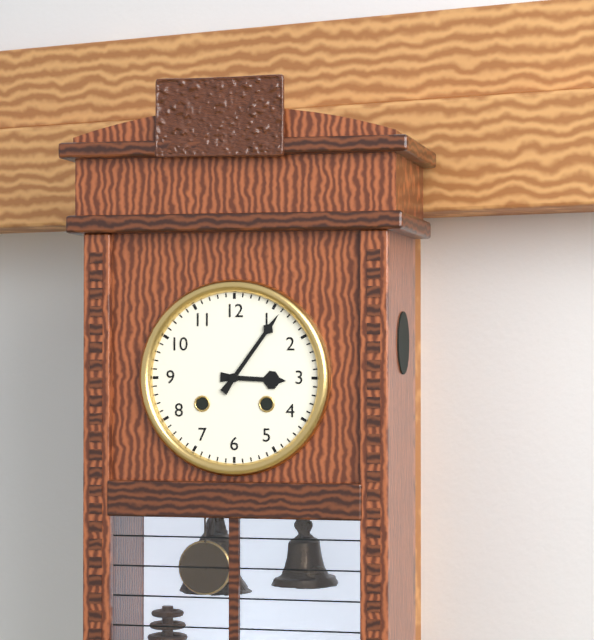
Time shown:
{"hour": 3, "minute": 6}
